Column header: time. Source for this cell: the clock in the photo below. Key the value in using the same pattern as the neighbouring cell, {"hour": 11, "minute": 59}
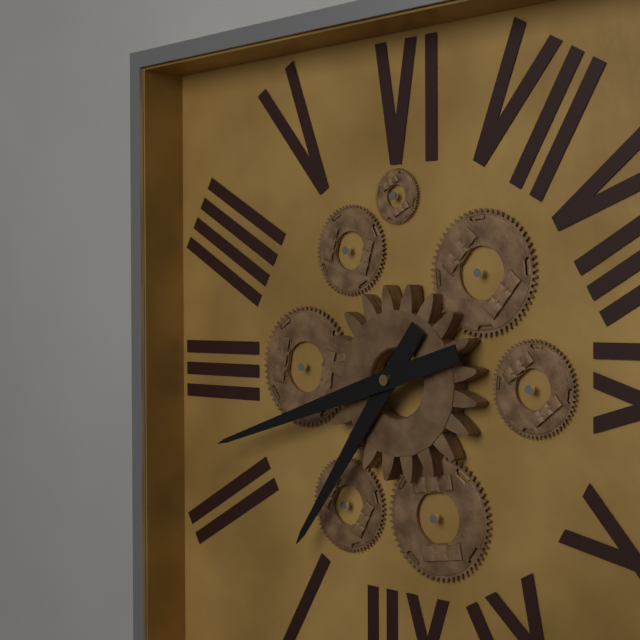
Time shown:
{"hour": 1, "minute": 12}
